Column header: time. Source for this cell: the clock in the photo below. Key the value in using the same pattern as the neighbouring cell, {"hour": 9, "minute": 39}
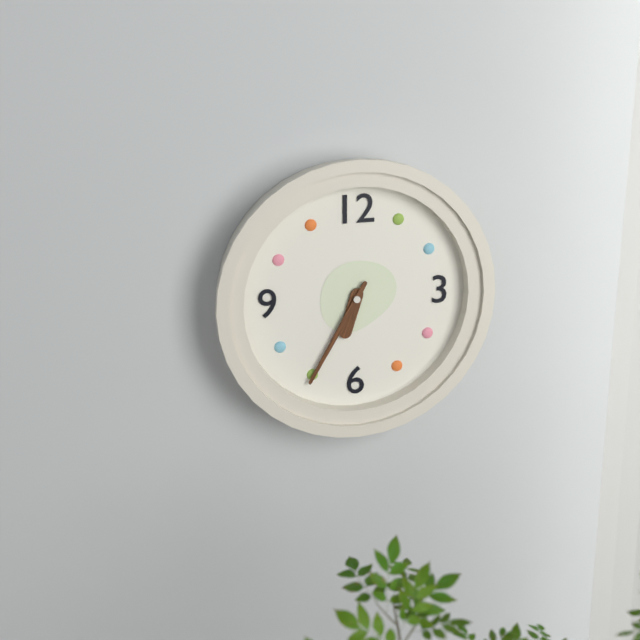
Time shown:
{"hour": 6, "minute": 35}
